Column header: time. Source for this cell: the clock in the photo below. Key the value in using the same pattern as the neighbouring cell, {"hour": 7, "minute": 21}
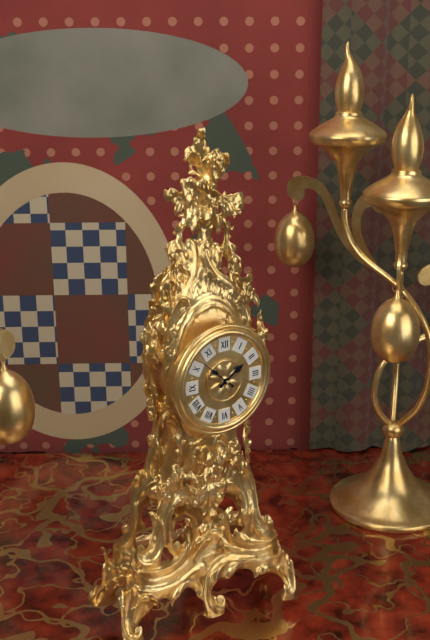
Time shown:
{"hour": 1, "minute": 52}
